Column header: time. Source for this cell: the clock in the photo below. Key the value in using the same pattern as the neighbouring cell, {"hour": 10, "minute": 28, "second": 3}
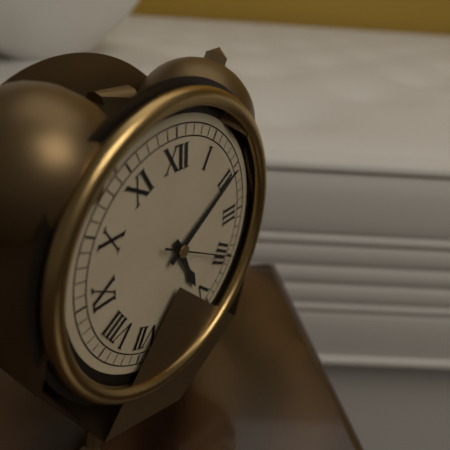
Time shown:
{"hour": 5, "minute": 10, "second": 20}
